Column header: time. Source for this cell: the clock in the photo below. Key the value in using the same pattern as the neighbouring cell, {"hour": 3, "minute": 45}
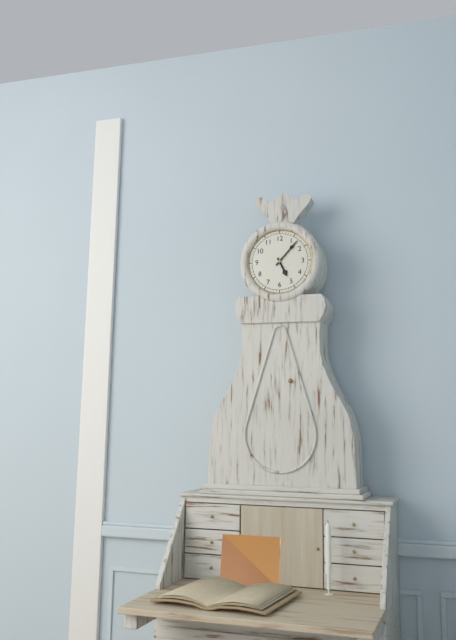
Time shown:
{"hour": 5, "minute": 7}
